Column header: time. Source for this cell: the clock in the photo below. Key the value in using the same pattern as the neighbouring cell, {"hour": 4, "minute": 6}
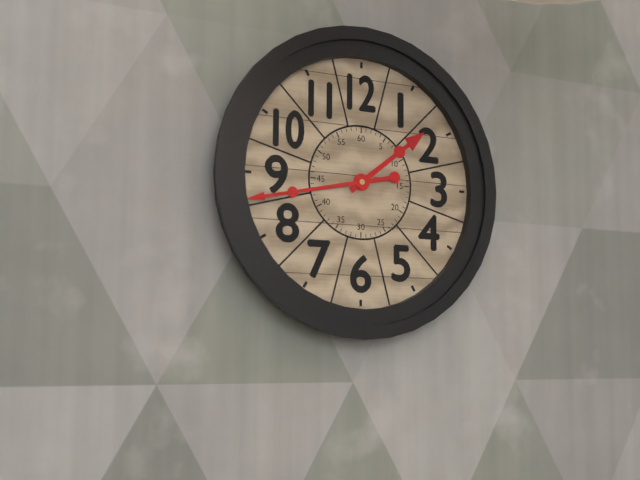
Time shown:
{"hour": 1, "minute": 43}
